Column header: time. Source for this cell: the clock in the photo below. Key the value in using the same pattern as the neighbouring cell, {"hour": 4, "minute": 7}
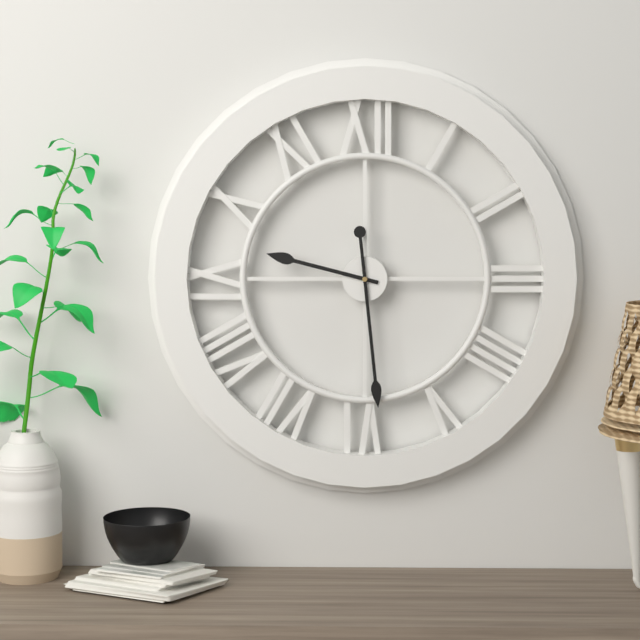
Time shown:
{"hour": 9, "minute": 29}
